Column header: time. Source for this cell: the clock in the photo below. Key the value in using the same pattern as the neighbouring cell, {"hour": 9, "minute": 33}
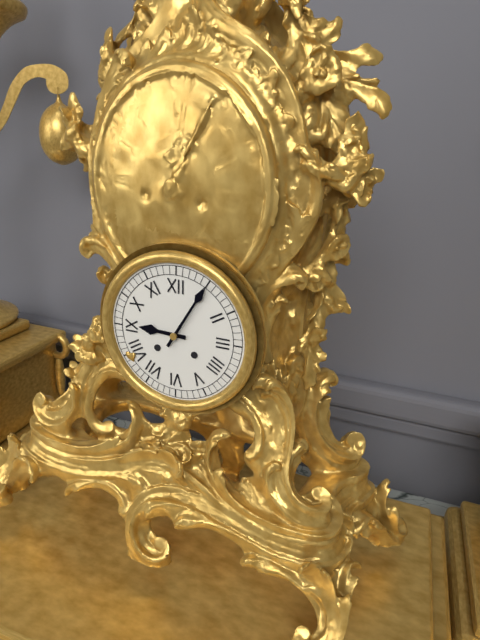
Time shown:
{"hour": 9, "minute": 5}
